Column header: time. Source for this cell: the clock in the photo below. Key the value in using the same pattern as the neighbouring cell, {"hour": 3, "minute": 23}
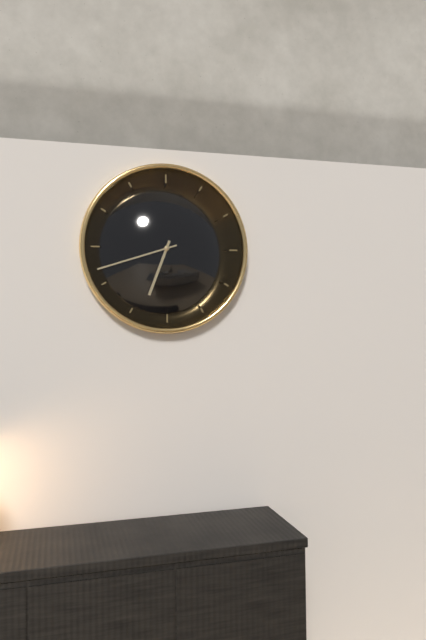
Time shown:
{"hour": 6, "minute": 42}
